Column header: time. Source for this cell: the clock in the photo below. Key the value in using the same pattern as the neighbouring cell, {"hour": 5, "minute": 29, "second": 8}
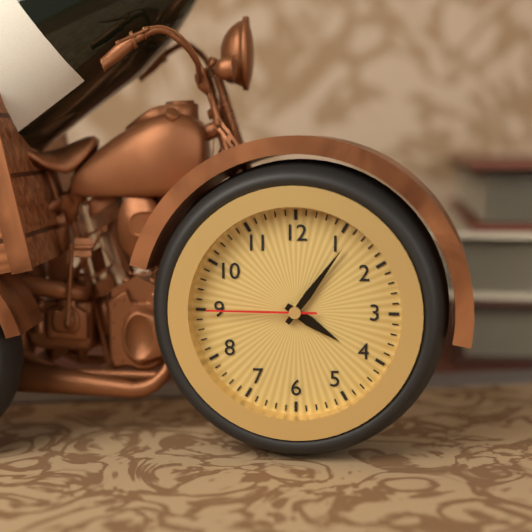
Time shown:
{"hour": 4, "minute": 6, "second": 45}
